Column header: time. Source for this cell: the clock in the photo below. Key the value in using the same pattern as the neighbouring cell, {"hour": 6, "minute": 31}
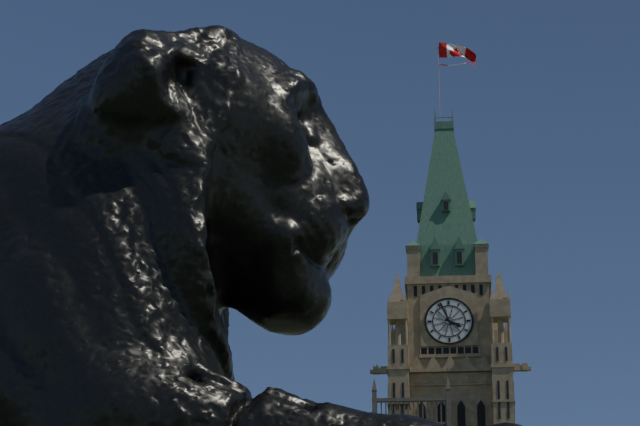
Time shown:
{"hour": 3, "minute": 56}
